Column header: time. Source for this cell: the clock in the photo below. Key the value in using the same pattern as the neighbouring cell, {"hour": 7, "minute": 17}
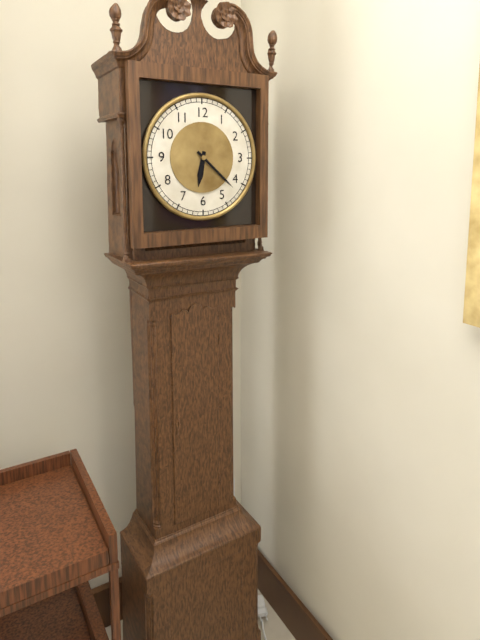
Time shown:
{"hour": 6, "minute": 22}
